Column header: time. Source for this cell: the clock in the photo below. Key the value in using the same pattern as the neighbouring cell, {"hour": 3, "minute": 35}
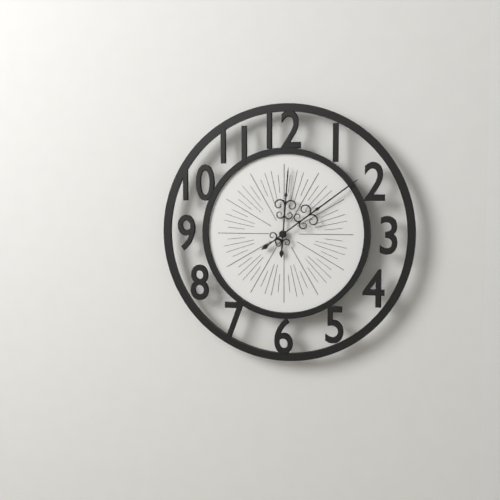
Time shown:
{"hour": 12, "minute": 9}
